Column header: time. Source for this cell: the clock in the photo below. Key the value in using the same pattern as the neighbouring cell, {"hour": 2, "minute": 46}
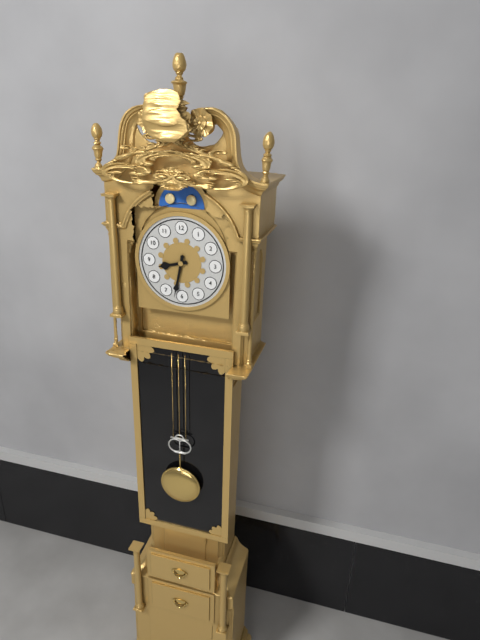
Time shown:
{"hour": 8, "minute": 32}
